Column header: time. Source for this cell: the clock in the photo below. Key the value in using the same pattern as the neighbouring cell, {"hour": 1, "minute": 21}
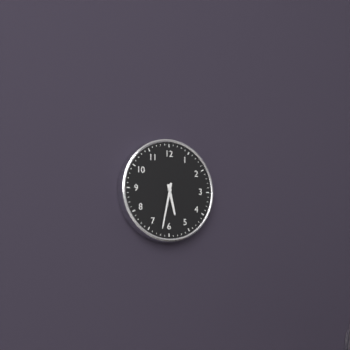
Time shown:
{"hour": 5, "minute": 32}
